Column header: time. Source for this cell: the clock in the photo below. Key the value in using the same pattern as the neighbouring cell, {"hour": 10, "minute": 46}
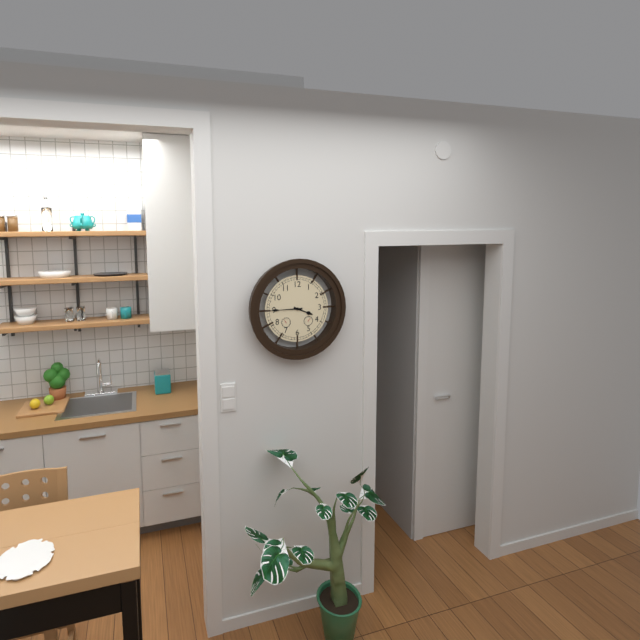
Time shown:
{"hour": 3, "minute": 45}
